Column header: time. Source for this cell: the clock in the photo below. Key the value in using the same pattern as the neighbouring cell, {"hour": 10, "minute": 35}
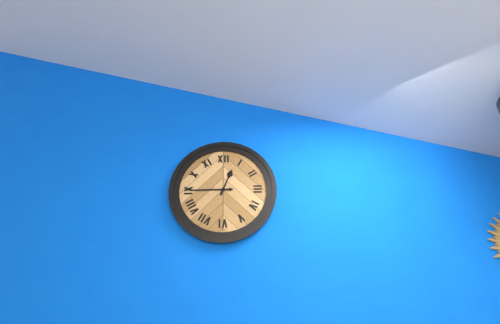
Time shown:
{"hour": 12, "minute": 45}
